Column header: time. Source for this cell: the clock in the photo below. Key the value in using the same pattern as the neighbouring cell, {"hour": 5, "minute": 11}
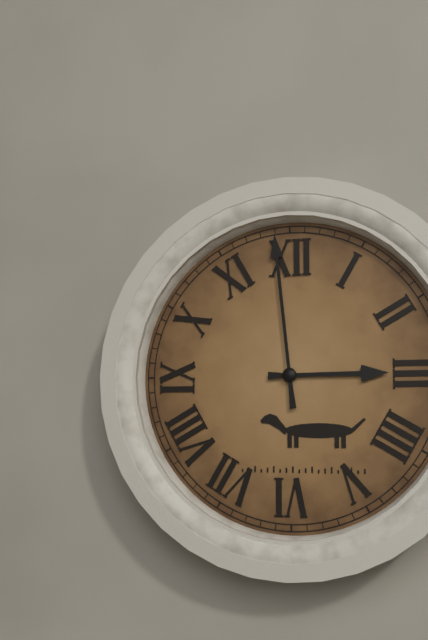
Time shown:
{"hour": 2, "minute": 59}
